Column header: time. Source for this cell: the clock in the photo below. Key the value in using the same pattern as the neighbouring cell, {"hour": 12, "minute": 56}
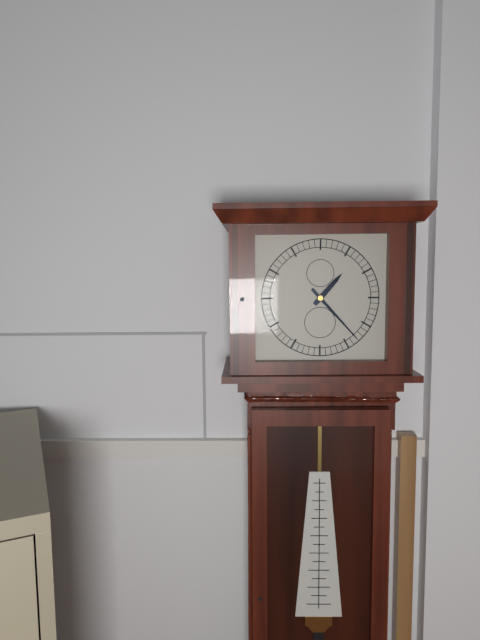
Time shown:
{"hour": 1, "minute": 23}
